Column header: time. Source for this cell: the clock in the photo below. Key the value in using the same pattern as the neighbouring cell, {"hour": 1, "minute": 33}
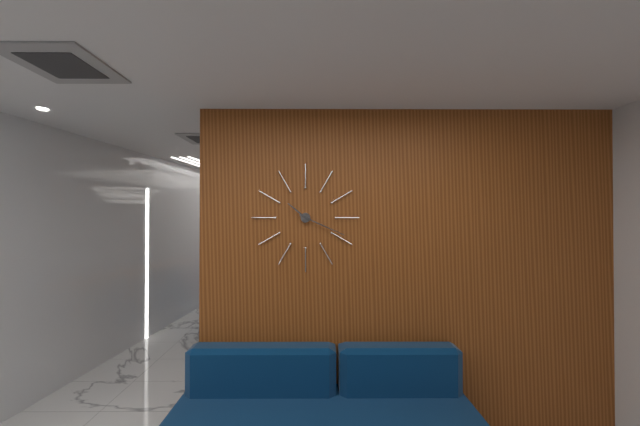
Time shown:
{"hour": 10, "minute": 19}
